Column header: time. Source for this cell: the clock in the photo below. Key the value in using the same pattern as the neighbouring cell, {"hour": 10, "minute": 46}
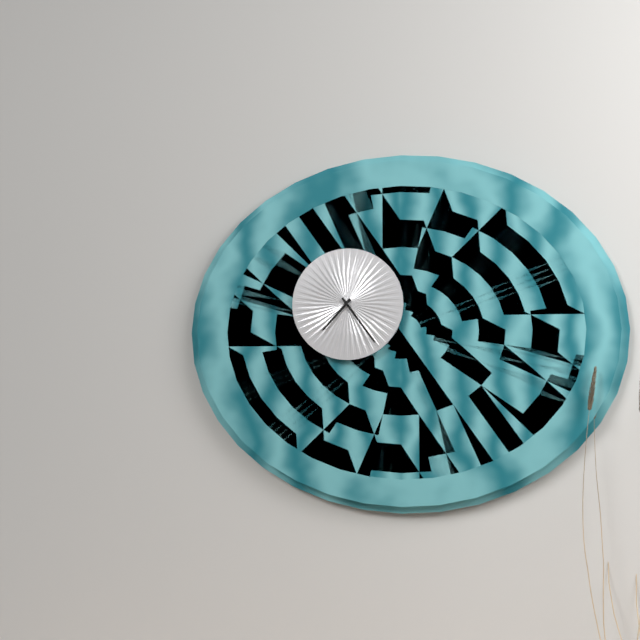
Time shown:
{"hour": 7, "minute": 24}
